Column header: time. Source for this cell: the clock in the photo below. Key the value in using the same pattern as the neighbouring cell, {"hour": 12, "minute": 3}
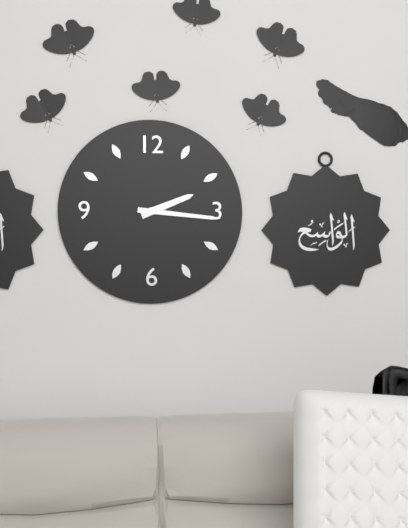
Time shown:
{"hour": 2, "minute": 16}
